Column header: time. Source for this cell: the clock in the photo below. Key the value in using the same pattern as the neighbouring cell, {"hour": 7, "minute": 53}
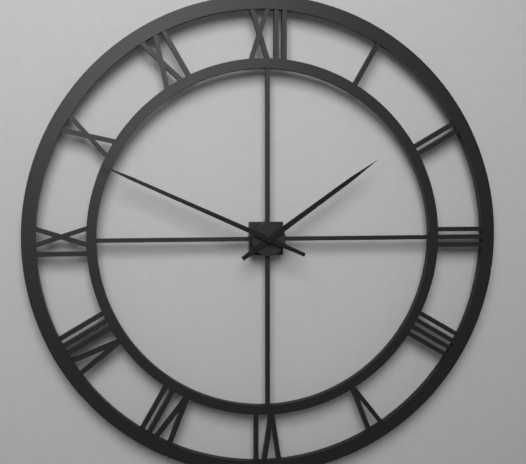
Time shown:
{"hour": 1, "minute": 49}
